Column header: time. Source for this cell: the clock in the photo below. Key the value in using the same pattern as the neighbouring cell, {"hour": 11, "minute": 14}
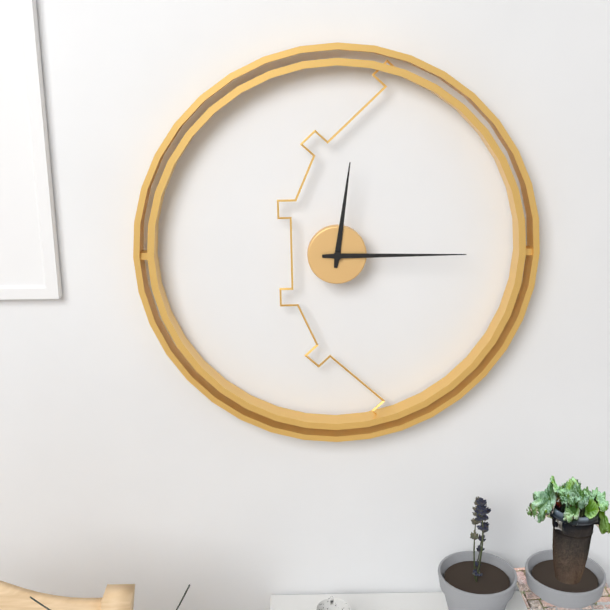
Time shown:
{"hour": 12, "minute": 15}
